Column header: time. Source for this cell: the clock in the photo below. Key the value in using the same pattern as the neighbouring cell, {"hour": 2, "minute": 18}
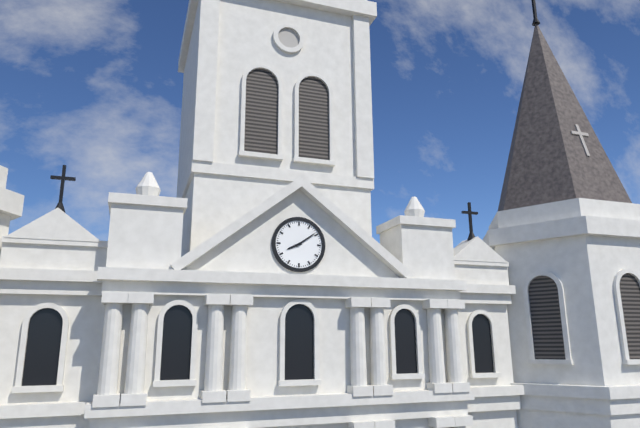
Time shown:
{"hour": 8, "minute": 9}
